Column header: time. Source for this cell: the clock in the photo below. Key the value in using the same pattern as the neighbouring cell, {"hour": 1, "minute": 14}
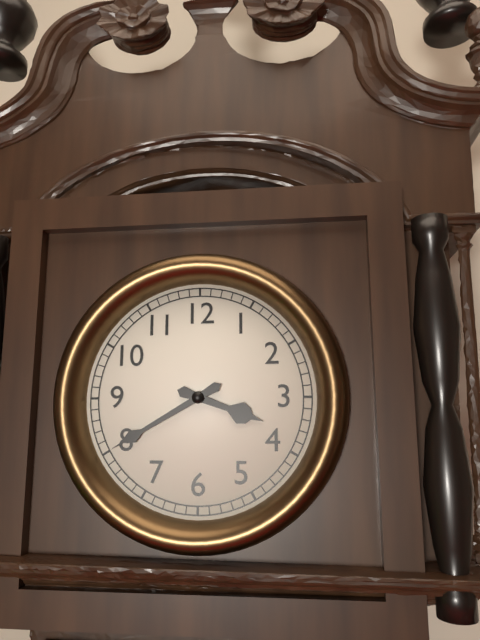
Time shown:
{"hour": 3, "minute": 40}
